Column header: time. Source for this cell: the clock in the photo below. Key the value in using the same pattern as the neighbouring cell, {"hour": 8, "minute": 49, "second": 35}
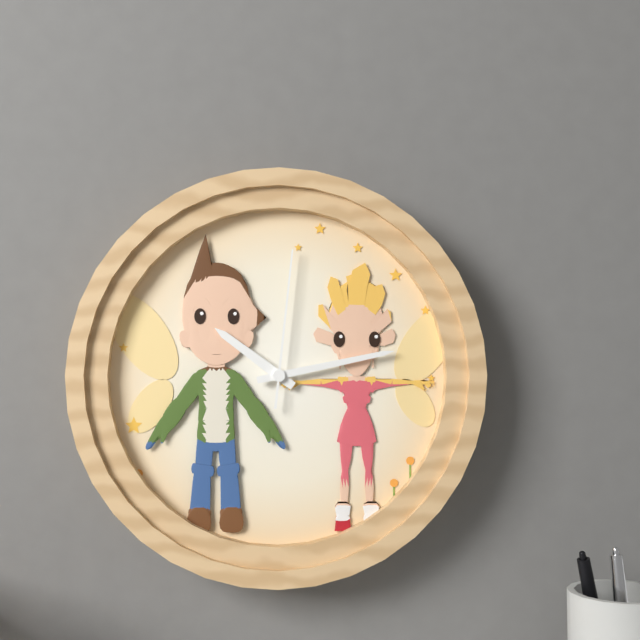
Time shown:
{"hour": 10, "minute": 13, "second": 1}
